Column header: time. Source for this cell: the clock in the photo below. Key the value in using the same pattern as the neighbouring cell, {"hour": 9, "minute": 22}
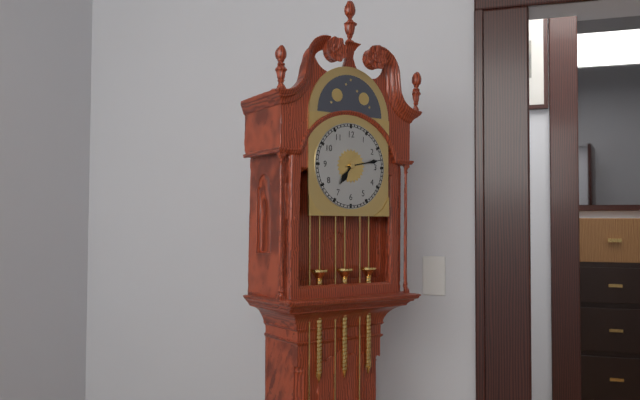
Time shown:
{"hour": 7, "minute": 13}
